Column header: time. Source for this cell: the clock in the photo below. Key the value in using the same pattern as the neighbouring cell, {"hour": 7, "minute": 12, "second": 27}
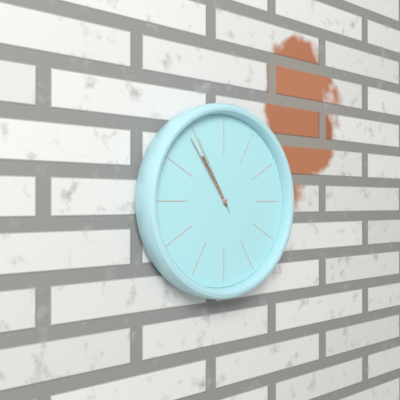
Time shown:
{"hour": 10, "minute": 54, "second": 55}
